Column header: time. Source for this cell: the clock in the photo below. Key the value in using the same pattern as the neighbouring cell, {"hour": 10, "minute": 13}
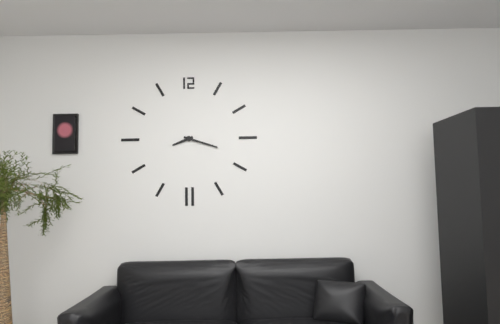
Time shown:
{"hour": 8, "minute": 18}
